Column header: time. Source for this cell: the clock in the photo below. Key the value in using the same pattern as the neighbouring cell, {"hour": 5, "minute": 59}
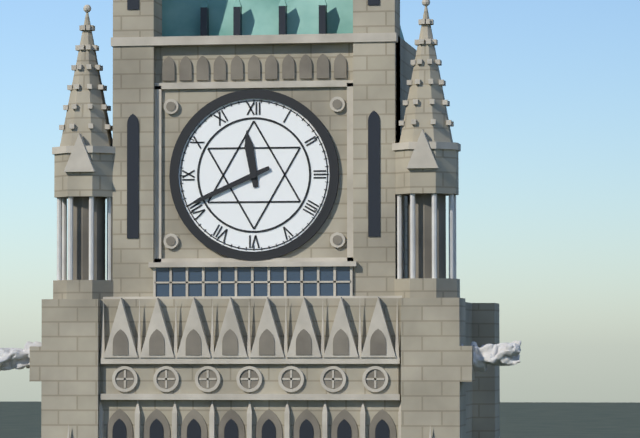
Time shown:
{"hour": 11, "minute": 41}
